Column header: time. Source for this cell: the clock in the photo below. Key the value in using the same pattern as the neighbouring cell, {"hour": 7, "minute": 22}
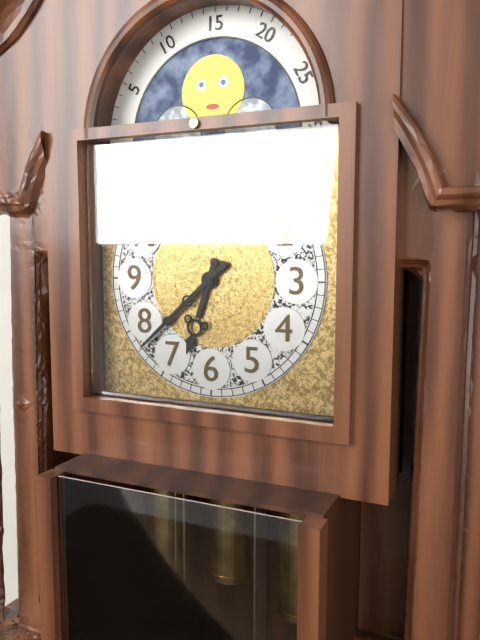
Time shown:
{"hour": 6, "minute": 38}
